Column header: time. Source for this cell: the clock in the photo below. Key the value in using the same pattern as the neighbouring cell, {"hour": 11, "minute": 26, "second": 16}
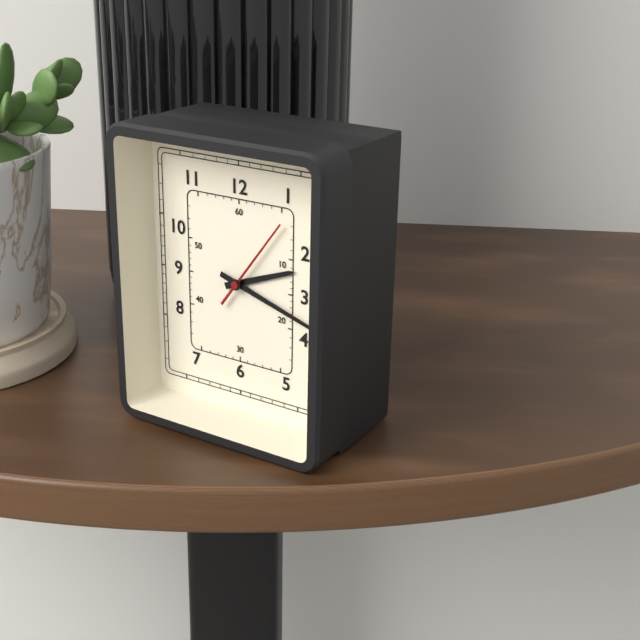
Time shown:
{"hour": 2, "minute": 18, "second": 6}
